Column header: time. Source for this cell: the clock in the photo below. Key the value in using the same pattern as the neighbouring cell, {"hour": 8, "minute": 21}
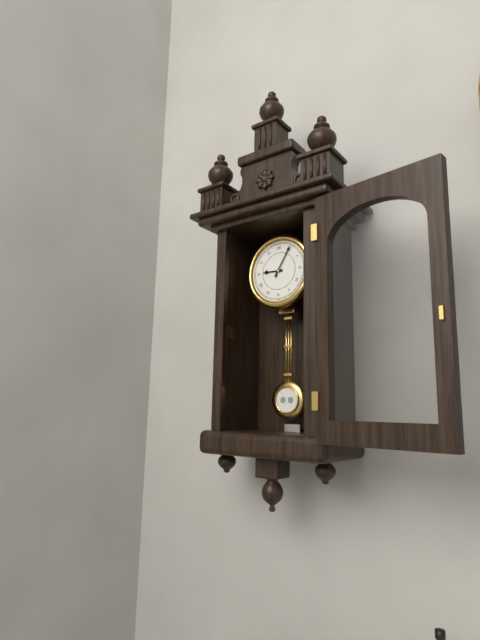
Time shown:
{"hour": 9, "minute": 5}
